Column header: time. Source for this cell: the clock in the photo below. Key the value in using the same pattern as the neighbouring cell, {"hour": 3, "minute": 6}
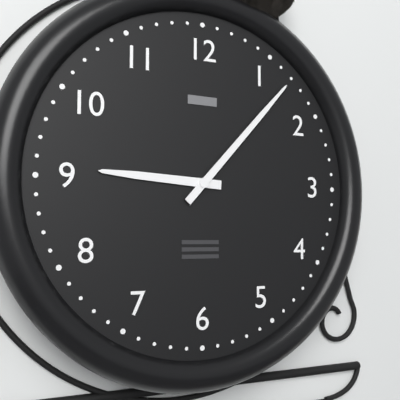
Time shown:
{"hour": 9, "minute": 7}
